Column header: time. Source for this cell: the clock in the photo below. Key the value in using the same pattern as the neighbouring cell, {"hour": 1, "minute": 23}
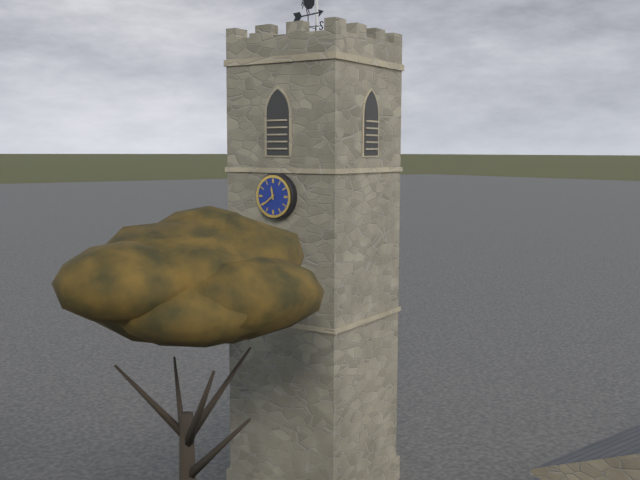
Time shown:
{"hour": 11, "minute": 39}
